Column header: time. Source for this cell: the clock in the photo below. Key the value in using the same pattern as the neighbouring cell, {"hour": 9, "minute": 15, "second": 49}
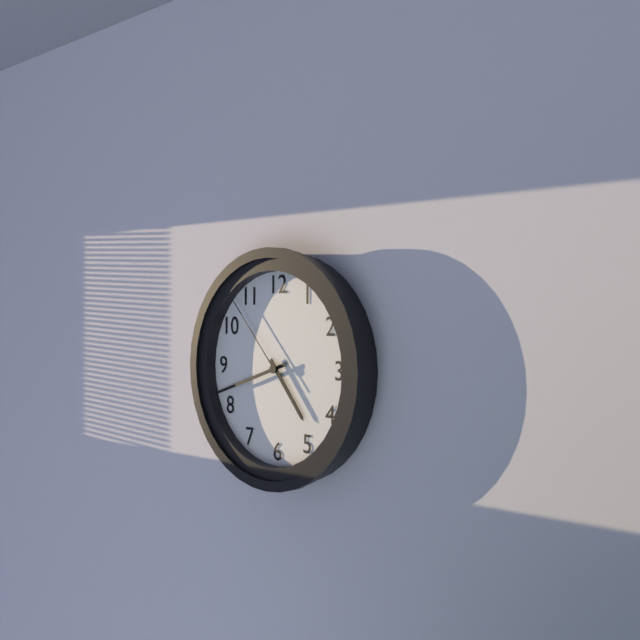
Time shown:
{"hour": 4, "minute": 42, "second": 53}
